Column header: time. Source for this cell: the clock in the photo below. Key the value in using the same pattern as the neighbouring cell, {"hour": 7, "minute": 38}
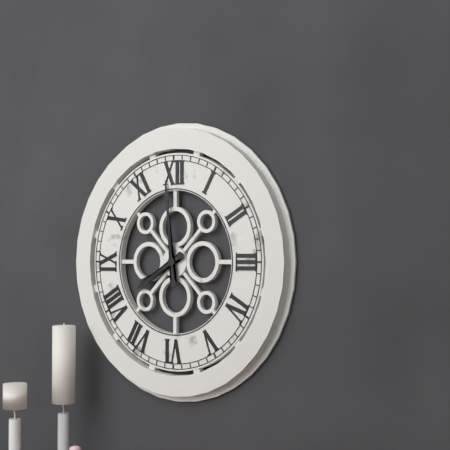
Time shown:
{"hour": 7, "minute": 59}
